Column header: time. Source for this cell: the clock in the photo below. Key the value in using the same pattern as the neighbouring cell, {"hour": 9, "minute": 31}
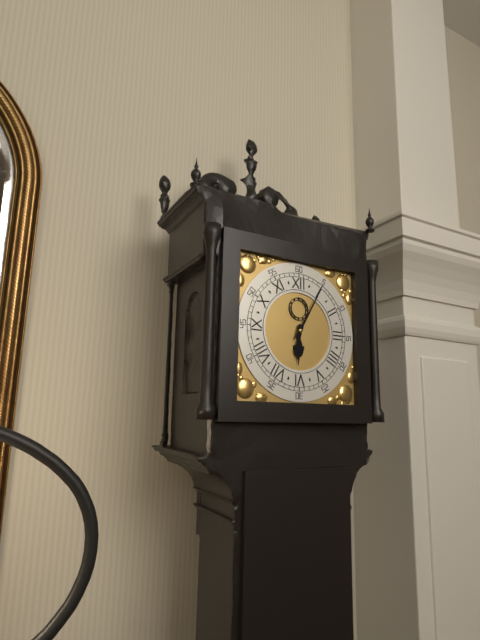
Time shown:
{"hour": 6, "minute": 5}
